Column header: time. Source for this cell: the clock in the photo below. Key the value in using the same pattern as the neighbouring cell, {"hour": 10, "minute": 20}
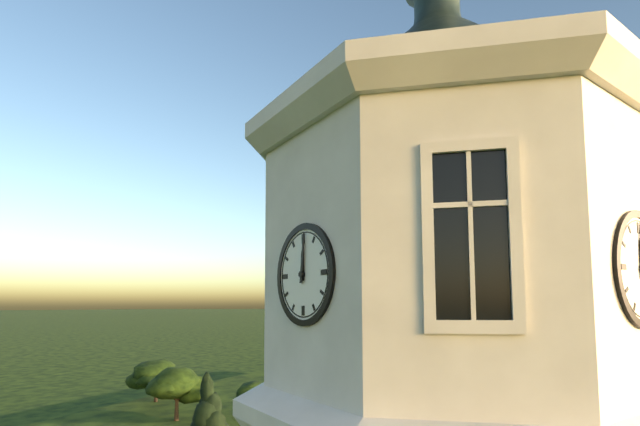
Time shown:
{"hour": 12, "minute": 1}
